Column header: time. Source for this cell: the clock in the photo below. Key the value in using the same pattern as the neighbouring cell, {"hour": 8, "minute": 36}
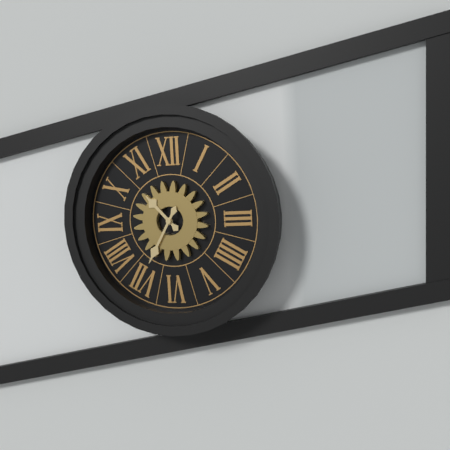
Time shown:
{"hour": 10, "minute": 35}
